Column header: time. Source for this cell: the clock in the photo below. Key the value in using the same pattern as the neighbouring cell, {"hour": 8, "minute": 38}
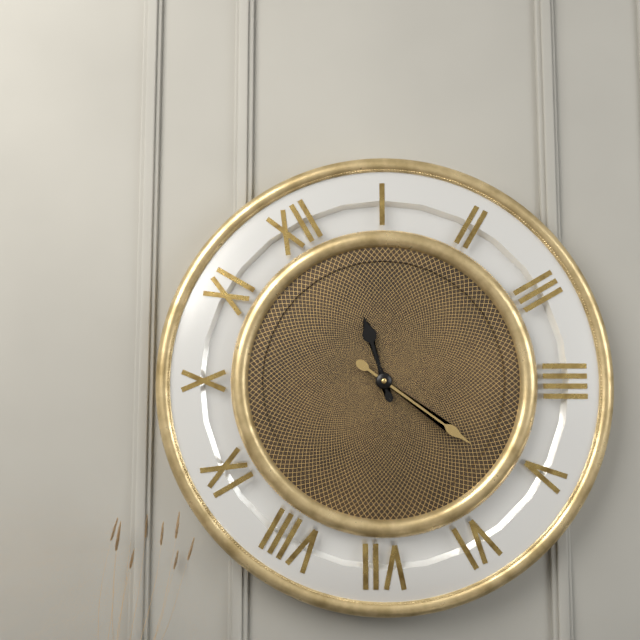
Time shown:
{"hour": 12, "minute": 26}
